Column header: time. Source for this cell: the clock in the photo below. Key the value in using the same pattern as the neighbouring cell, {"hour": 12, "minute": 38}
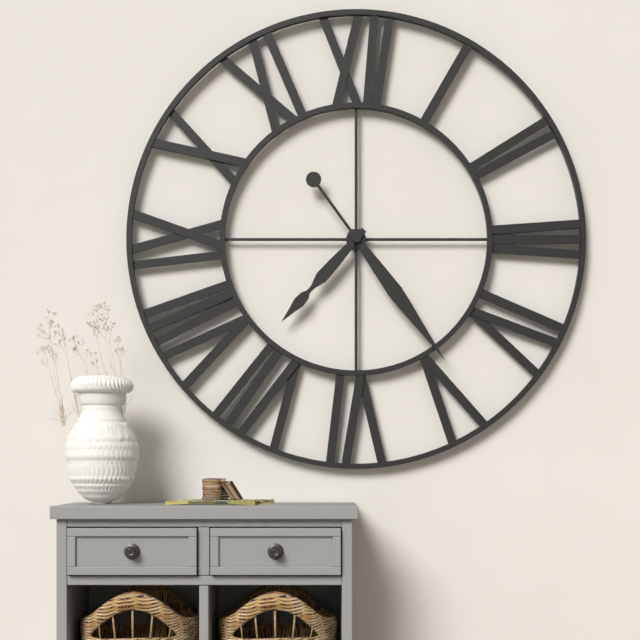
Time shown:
{"hour": 7, "minute": 24}
